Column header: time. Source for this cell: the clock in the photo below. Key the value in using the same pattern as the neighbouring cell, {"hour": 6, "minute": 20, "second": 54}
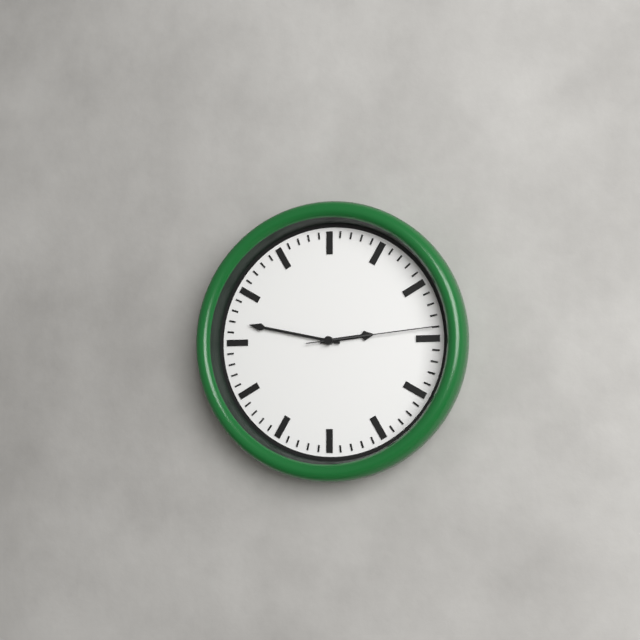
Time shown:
{"hour": 2, "minute": 47, "second": 14}
